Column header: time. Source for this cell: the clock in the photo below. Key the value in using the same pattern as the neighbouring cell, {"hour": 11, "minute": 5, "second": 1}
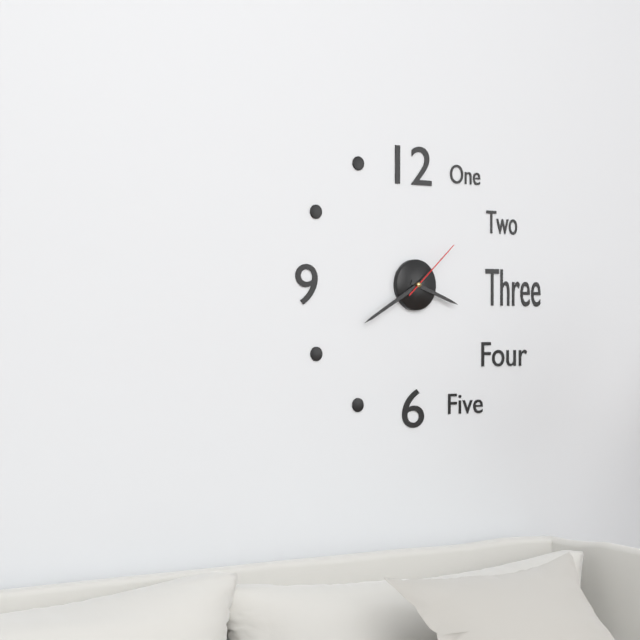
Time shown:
{"hour": 3, "minute": 40, "second": 8}
